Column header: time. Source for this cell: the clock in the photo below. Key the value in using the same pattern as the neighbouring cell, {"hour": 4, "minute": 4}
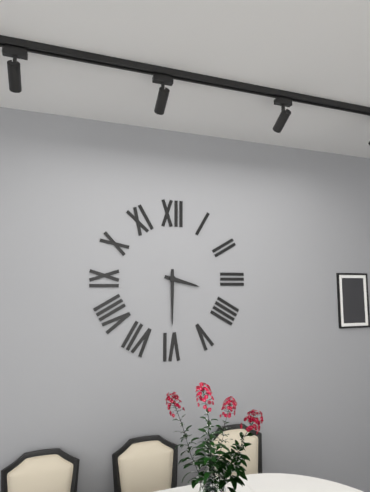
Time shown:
{"hour": 3, "minute": 30}
